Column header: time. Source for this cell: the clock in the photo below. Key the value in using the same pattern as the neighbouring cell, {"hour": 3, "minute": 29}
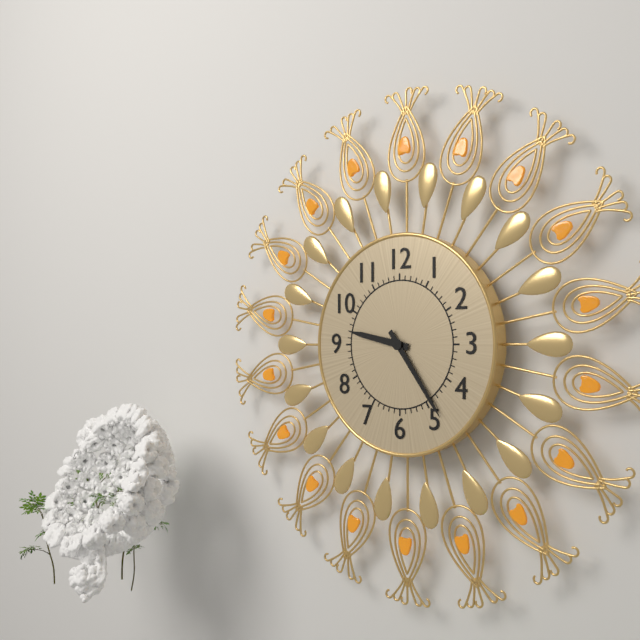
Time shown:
{"hour": 9, "minute": 24}
